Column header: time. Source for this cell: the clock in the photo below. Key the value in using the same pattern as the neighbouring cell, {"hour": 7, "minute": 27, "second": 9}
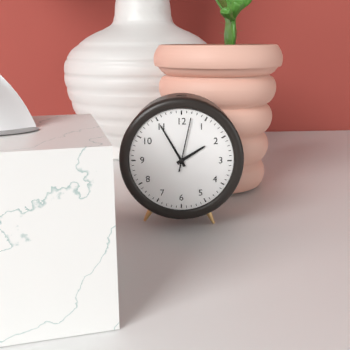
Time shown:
{"hour": 1, "minute": 55, "second": 2}
